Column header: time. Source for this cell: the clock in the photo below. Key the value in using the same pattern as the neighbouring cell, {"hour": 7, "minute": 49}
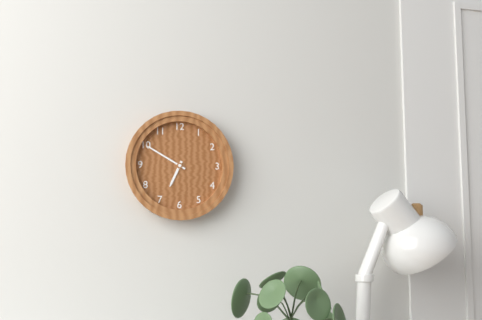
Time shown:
{"hour": 6, "minute": 50}
